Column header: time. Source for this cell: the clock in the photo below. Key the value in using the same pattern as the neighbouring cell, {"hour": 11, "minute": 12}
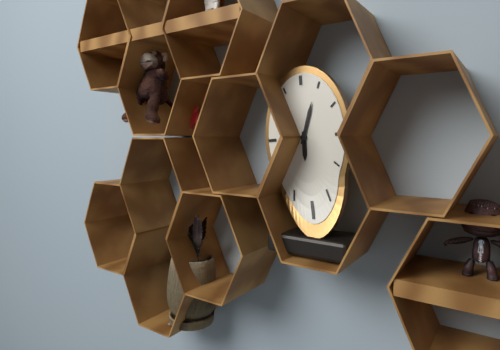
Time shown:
{"hour": 6, "minute": 3}
